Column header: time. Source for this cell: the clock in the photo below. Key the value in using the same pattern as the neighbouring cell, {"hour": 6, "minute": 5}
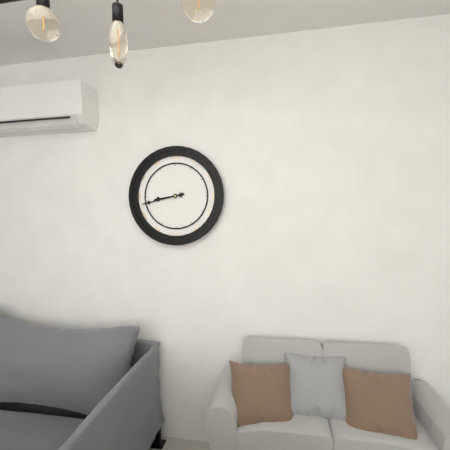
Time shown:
{"hour": 8, "minute": 43}
